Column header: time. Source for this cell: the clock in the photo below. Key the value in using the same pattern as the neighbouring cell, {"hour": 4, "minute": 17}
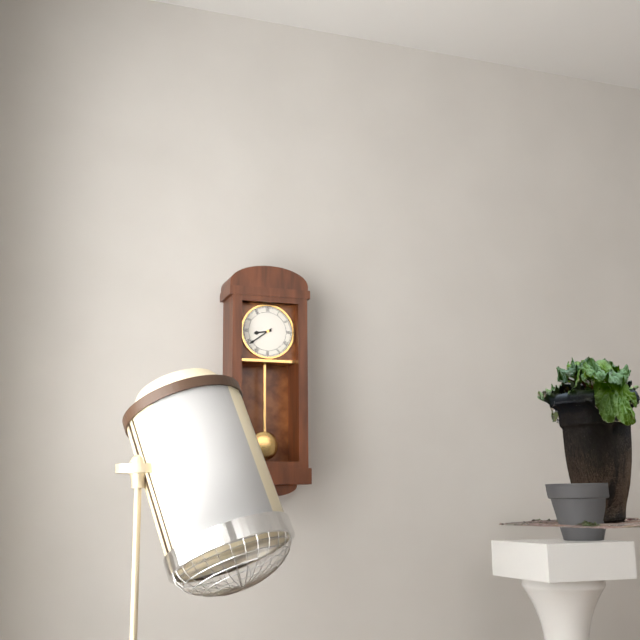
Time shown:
{"hour": 8, "minute": 39}
